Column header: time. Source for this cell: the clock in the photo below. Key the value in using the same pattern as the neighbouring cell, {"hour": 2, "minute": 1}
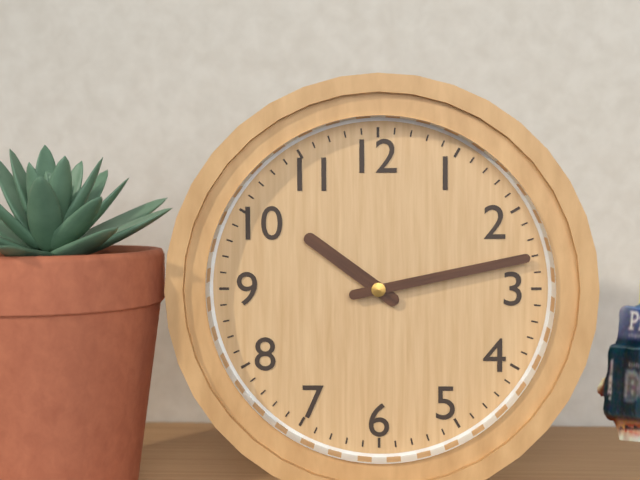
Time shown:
{"hour": 10, "minute": 13}
